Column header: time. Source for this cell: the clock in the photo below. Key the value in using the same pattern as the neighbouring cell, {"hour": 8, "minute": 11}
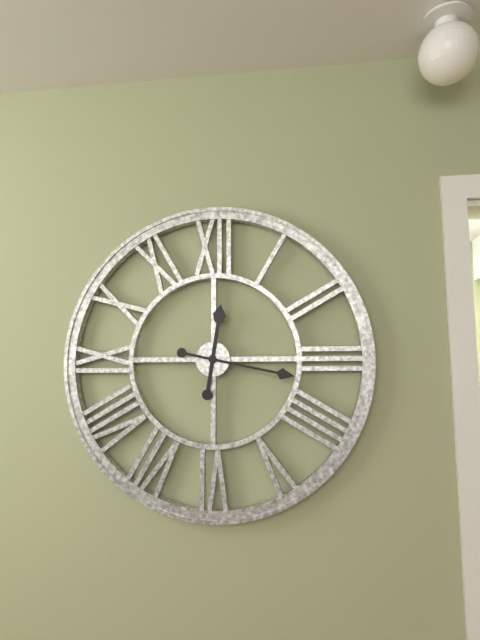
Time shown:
{"hour": 12, "minute": 17}
